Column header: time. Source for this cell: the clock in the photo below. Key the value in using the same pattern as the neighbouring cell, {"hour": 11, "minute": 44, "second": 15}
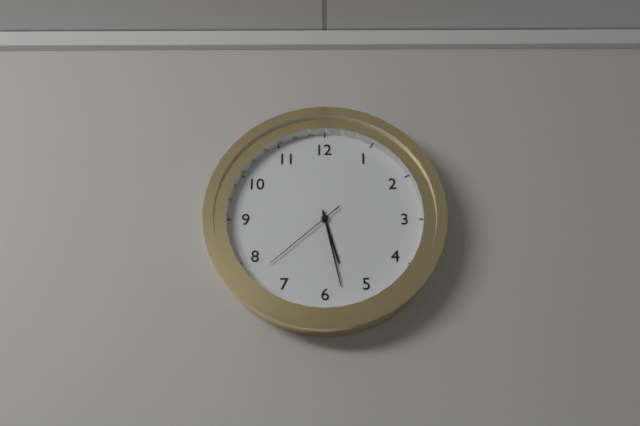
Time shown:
{"hour": 5, "minute": 28, "second": 38}
